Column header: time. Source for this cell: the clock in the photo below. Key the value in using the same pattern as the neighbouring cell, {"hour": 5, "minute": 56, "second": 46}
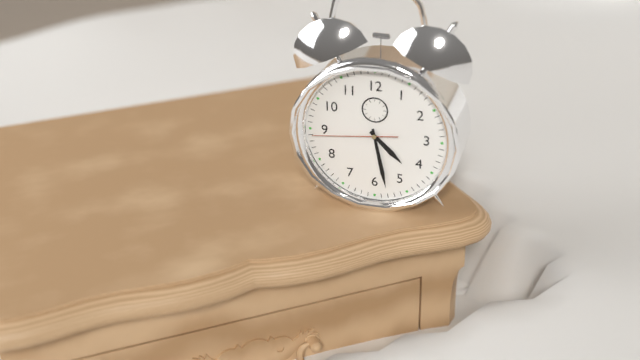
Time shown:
{"hour": 4, "minute": 28, "second": 44}
